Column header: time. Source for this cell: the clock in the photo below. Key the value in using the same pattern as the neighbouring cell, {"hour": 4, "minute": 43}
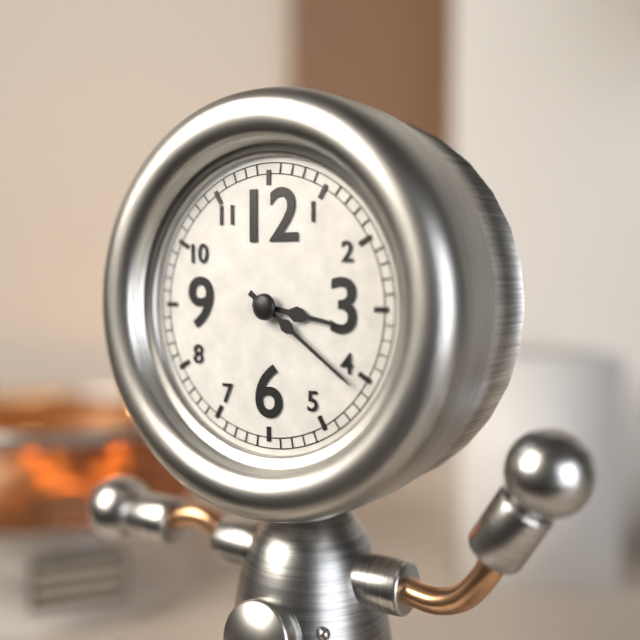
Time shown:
{"hour": 3, "minute": 21}
